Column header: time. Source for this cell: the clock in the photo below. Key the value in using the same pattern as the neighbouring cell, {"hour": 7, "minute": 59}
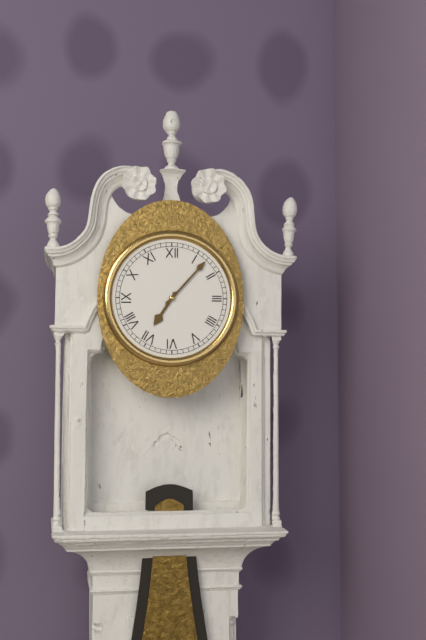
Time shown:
{"hour": 7, "minute": 7}
